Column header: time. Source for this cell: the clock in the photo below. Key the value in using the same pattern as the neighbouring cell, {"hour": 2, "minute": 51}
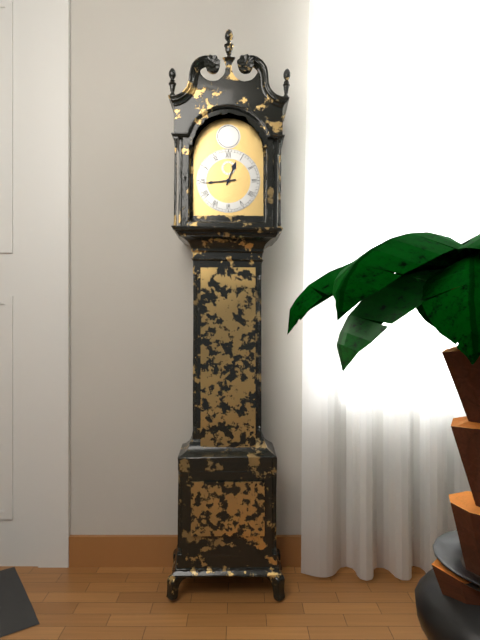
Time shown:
{"hour": 12, "minute": 44}
